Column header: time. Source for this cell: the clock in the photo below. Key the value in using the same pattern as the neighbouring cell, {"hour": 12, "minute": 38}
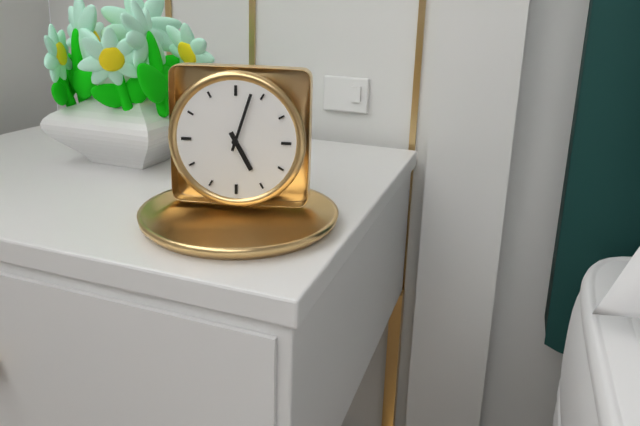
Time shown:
{"hour": 5, "minute": 3}
